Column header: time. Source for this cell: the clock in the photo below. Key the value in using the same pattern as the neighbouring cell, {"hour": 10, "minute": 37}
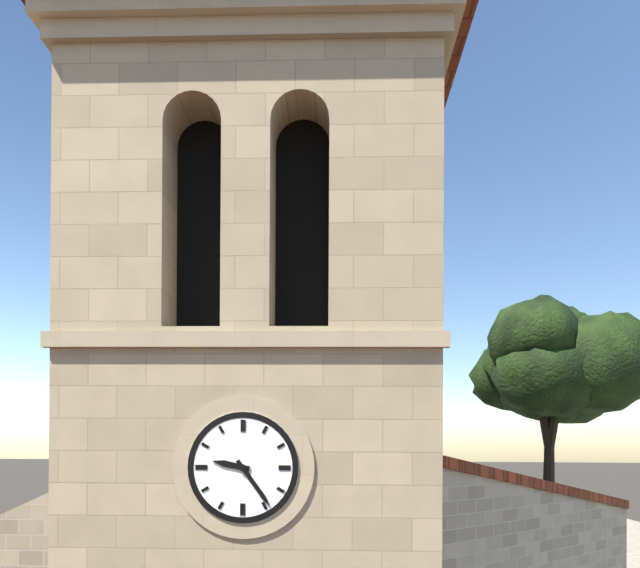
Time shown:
{"hour": 9, "minute": 24}
